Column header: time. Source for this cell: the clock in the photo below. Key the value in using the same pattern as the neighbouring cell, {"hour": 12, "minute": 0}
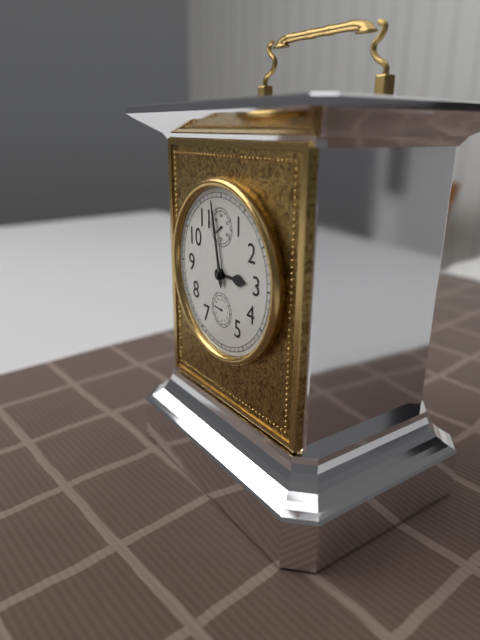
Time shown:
{"hour": 2, "minute": 58}
